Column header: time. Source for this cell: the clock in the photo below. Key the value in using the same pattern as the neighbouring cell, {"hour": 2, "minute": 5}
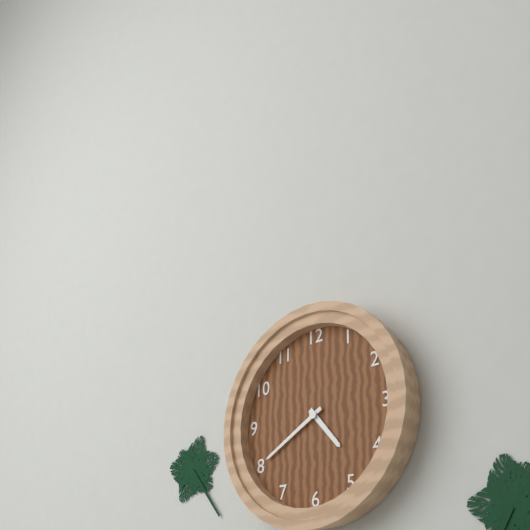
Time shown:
{"hour": 4, "minute": 40}
